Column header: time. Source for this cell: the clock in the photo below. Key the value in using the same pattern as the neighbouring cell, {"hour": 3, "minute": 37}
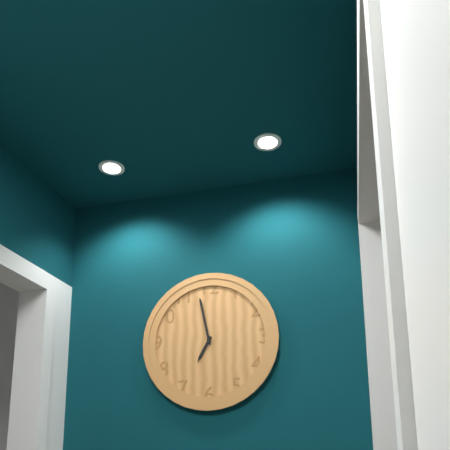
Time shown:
{"hour": 6, "minute": 58}
